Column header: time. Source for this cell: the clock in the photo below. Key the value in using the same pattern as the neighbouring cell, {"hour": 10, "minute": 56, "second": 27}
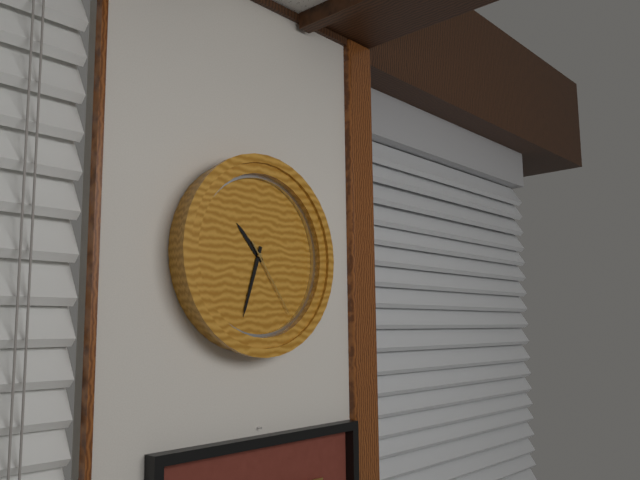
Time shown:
{"hour": 10, "minute": 33, "second": 24}
